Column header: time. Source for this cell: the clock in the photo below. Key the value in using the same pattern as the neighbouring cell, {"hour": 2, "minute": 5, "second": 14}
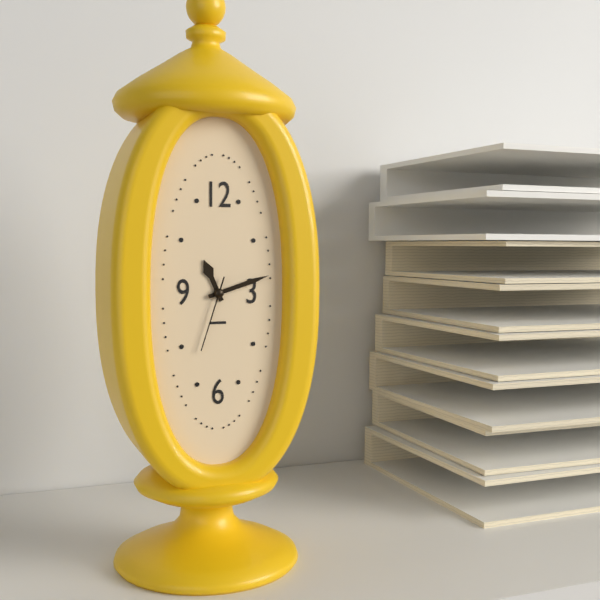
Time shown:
{"hour": 11, "minute": 12, "second": 33}
